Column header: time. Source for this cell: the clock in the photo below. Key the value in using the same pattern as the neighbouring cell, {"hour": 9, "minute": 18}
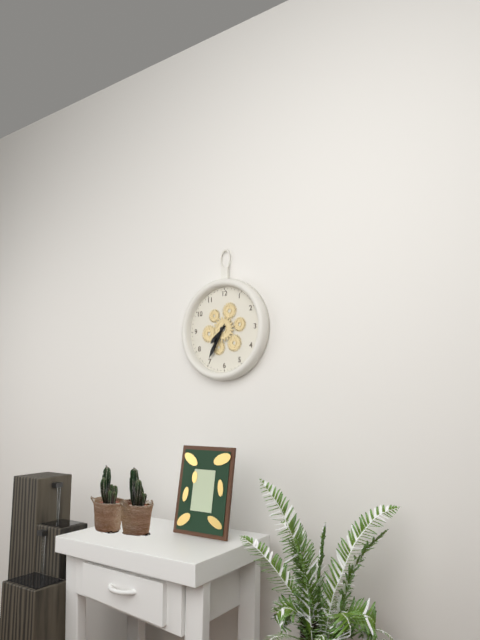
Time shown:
{"hour": 7, "minute": 35}
